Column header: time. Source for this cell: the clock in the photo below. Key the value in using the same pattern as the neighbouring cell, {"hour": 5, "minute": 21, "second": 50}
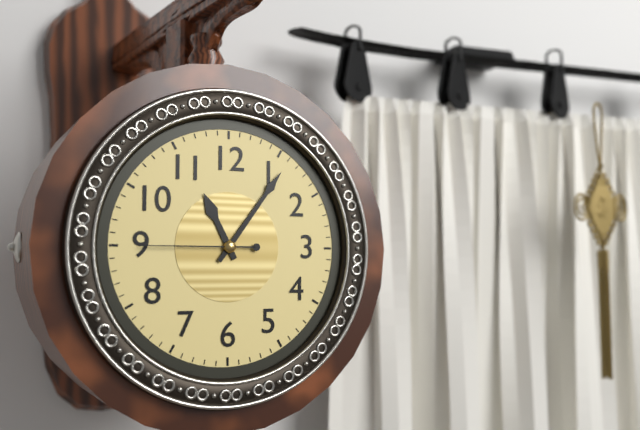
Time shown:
{"hour": 11, "minute": 6, "second": 45}
